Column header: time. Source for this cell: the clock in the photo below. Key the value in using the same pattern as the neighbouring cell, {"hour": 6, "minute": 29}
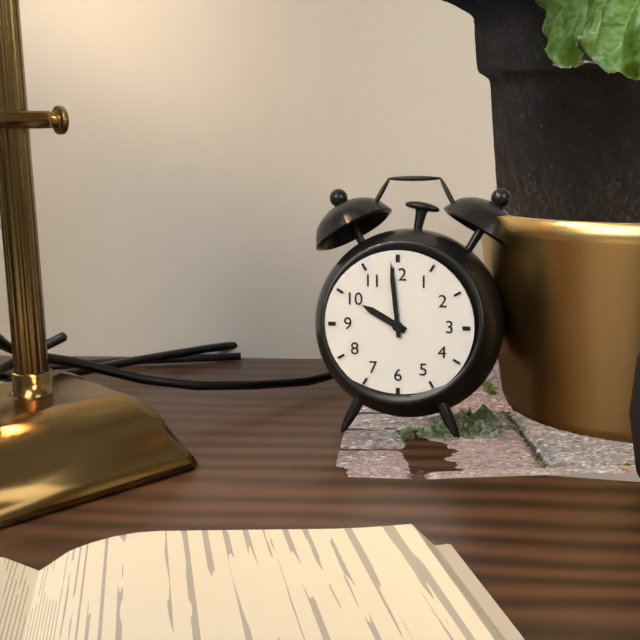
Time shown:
{"hour": 9, "minute": 59}
